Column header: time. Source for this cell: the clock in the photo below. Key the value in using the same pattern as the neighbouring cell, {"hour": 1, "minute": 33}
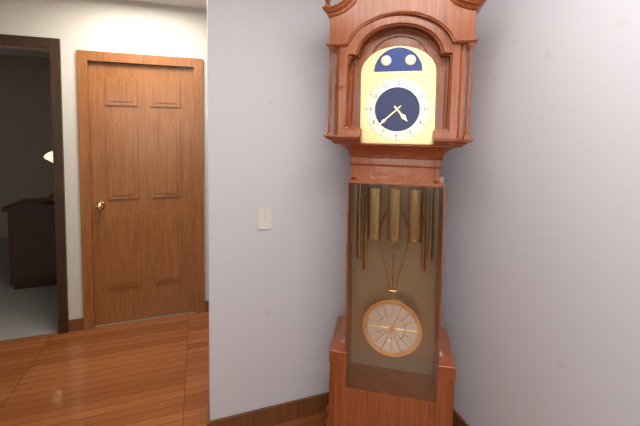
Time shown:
{"hour": 4, "minute": 38}
